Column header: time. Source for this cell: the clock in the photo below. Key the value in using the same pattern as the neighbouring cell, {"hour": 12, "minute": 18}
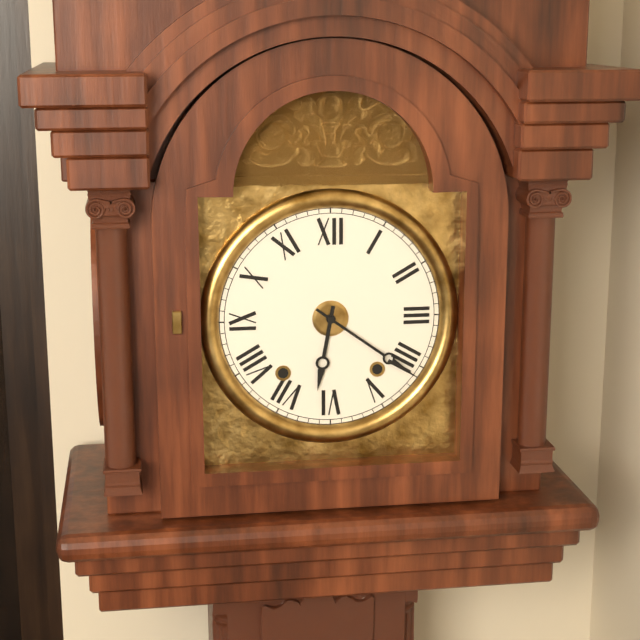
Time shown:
{"hour": 6, "minute": 21}
